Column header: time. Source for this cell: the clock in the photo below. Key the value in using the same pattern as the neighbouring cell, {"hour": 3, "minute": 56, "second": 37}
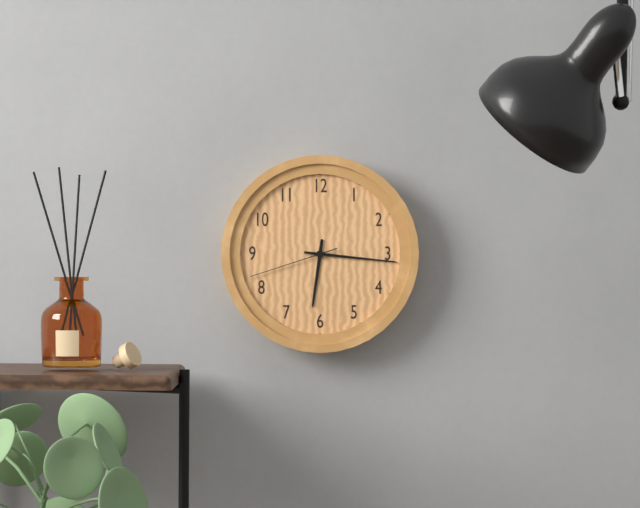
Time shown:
{"hour": 6, "minute": 16, "second": 42}
